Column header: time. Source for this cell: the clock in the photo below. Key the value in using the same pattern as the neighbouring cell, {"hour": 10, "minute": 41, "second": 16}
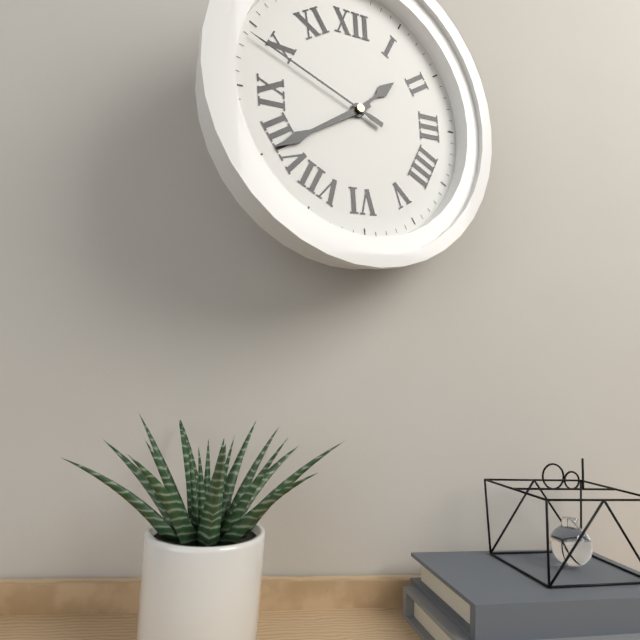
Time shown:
{"hour": 1, "minute": 40, "second": 49}
